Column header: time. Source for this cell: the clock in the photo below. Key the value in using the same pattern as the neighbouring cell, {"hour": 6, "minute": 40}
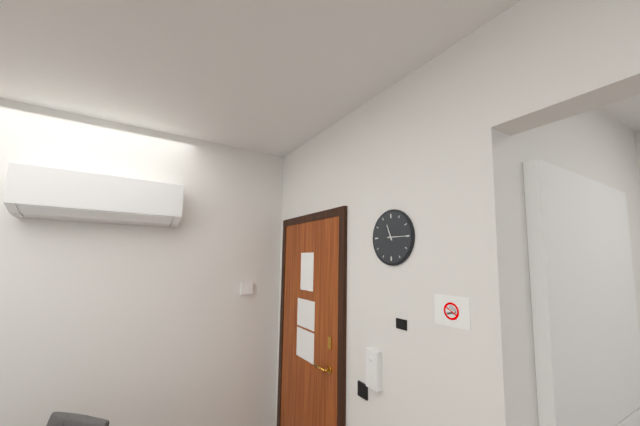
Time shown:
{"hour": 11, "minute": 15}
